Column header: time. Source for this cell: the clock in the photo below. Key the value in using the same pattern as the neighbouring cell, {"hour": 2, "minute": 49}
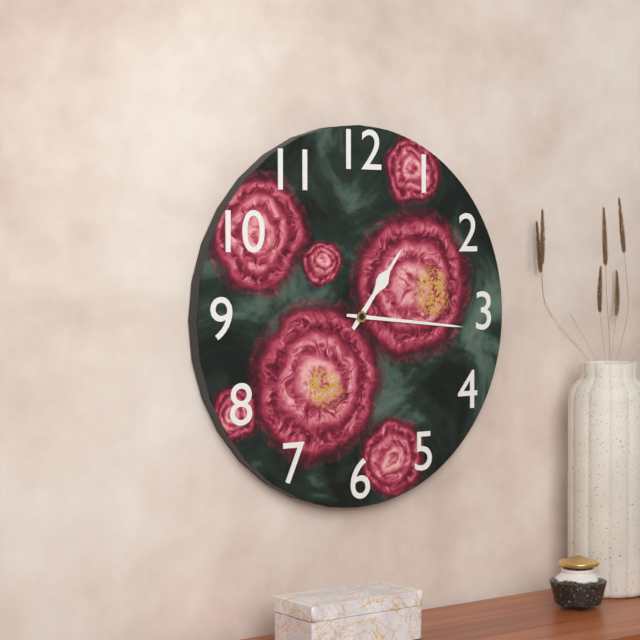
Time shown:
{"hour": 1, "minute": 16}
